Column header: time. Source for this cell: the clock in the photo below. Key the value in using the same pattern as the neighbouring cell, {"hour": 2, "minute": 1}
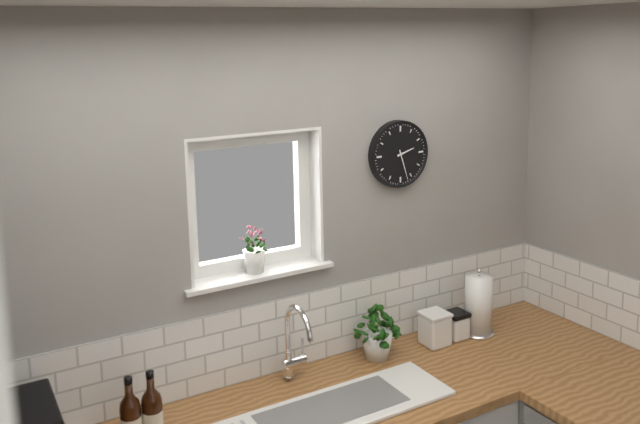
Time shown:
{"hour": 2, "minute": 27}
